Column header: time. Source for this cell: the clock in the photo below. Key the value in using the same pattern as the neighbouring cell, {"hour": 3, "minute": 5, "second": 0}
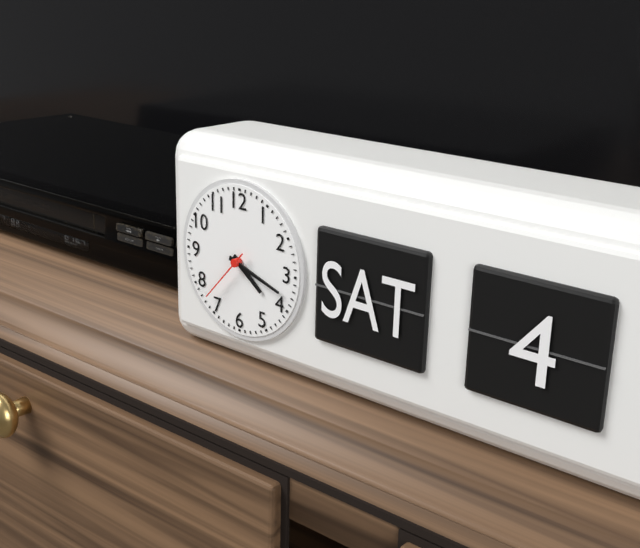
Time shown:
{"hour": 4, "minute": 18, "second": 37}
